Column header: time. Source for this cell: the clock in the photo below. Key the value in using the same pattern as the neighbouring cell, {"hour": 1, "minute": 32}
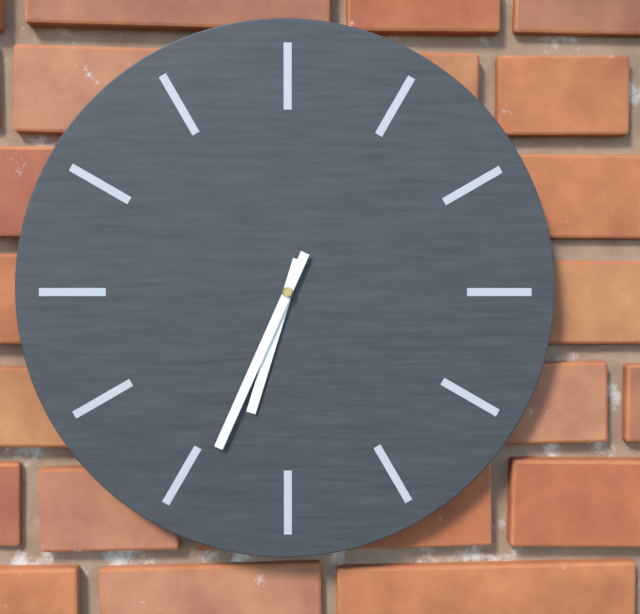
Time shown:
{"hour": 6, "minute": 34}
